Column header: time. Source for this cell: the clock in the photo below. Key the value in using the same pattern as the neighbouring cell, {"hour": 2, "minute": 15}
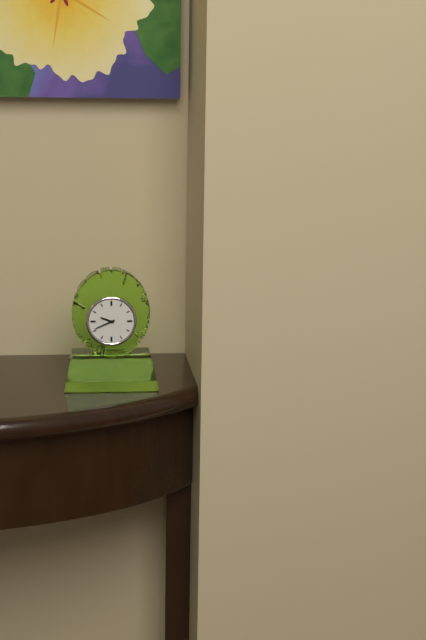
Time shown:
{"hour": 9, "minute": 41}
